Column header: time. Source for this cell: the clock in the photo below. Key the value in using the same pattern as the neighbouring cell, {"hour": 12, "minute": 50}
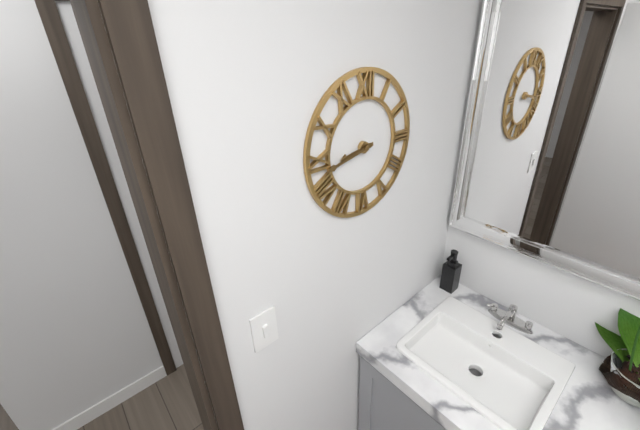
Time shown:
{"hour": 8, "minute": 43}
